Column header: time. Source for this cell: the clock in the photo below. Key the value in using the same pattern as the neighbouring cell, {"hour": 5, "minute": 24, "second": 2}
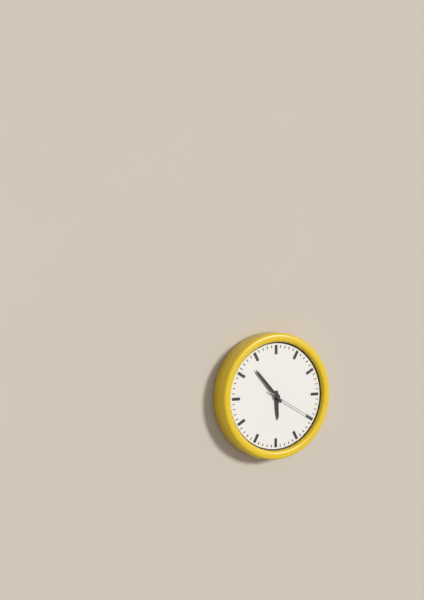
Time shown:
{"hour": 5, "minute": 53, "second": 20}
